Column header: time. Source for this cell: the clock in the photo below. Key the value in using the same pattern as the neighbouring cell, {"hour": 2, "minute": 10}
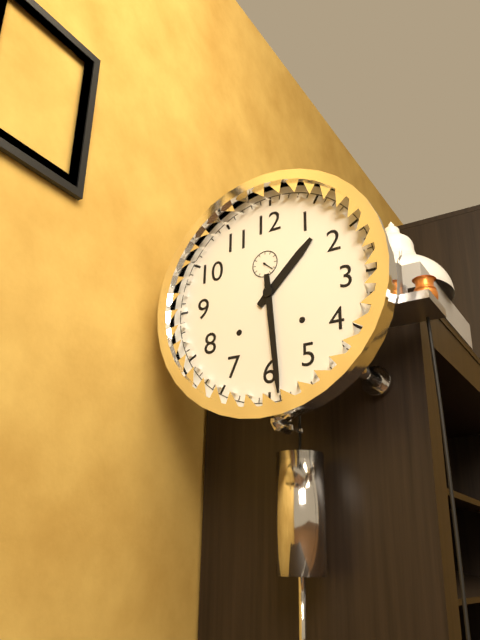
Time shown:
{"hour": 1, "minute": 29}
